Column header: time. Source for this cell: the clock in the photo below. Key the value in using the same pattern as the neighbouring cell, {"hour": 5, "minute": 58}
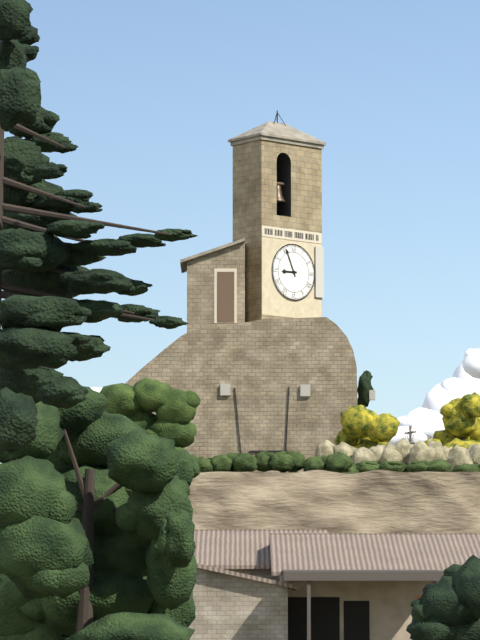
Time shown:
{"hour": 8, "minute": 56}
